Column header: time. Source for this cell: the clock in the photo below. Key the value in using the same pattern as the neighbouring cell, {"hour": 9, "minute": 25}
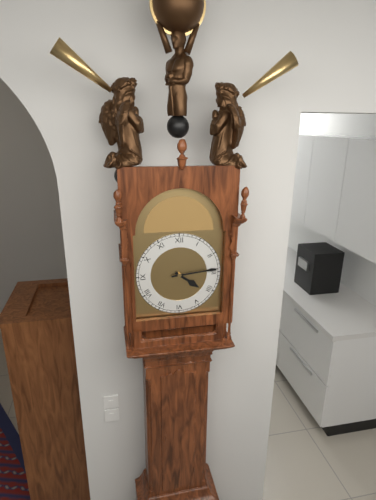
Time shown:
{"hour": 4, "minute": 14}
